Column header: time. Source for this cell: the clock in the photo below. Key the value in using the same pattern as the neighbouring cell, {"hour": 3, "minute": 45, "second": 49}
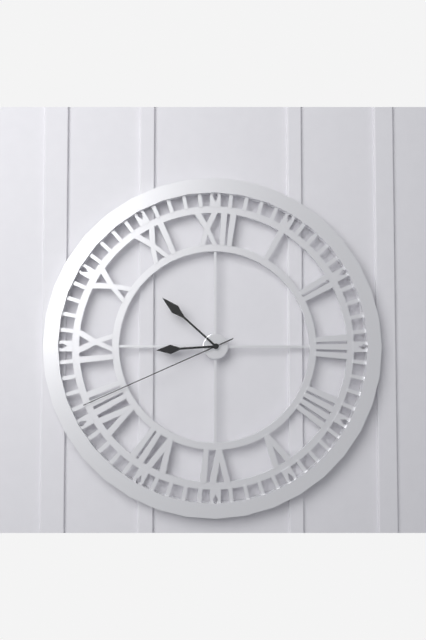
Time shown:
{"hour": 8, "minute": 52, "second": 41}
